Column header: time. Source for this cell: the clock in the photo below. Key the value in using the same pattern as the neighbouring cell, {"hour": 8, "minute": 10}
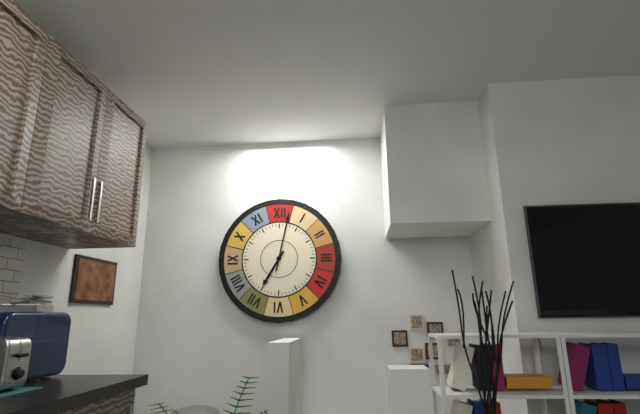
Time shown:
{"hour": 7, "minute": 2}
